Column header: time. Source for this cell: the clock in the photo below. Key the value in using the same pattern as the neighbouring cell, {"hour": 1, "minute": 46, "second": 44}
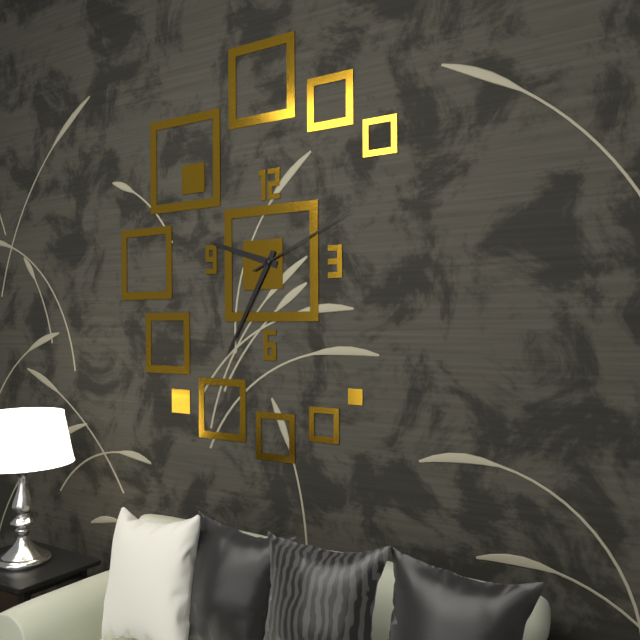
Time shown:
{"hour": 9, "minute": 35, "second": 11}
